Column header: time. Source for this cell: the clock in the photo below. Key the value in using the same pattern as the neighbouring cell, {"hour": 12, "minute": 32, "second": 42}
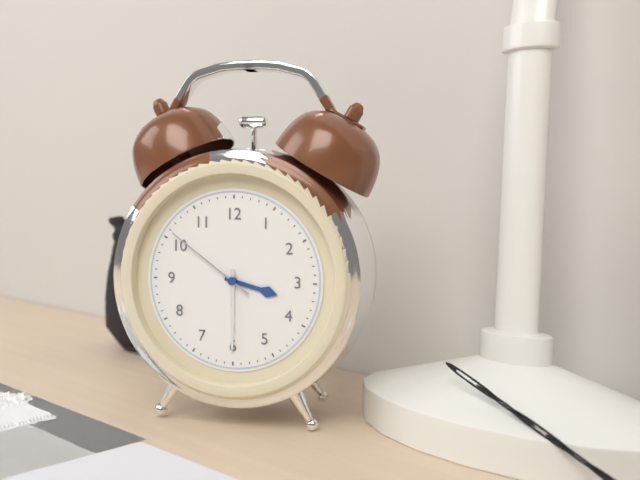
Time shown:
{"hour": 3, "minute": 30, "second": 51}
